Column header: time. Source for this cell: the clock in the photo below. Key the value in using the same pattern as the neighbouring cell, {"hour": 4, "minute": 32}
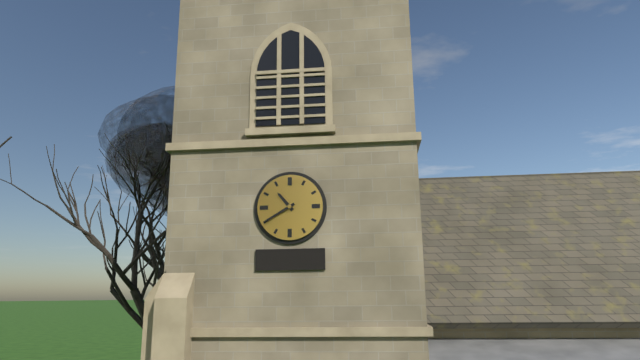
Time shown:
{"hour": 10, "minute": 40}
